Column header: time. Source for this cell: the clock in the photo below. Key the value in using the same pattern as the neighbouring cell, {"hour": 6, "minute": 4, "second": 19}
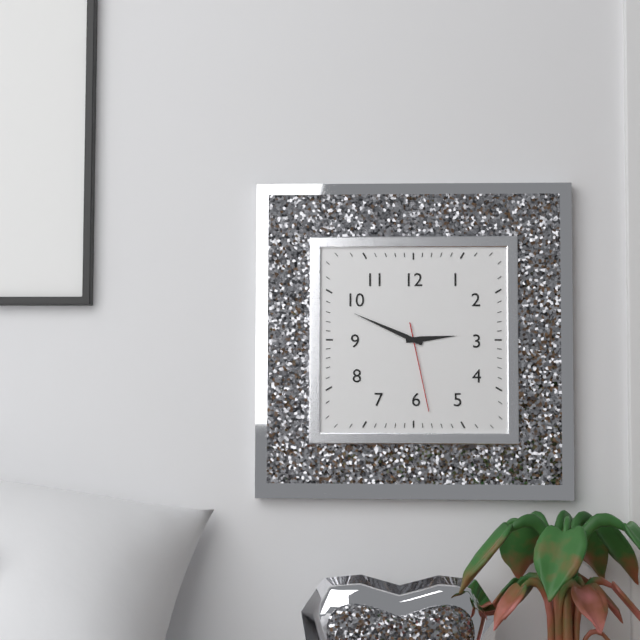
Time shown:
{"hour": 2, "minute": 49, "second": 28}
